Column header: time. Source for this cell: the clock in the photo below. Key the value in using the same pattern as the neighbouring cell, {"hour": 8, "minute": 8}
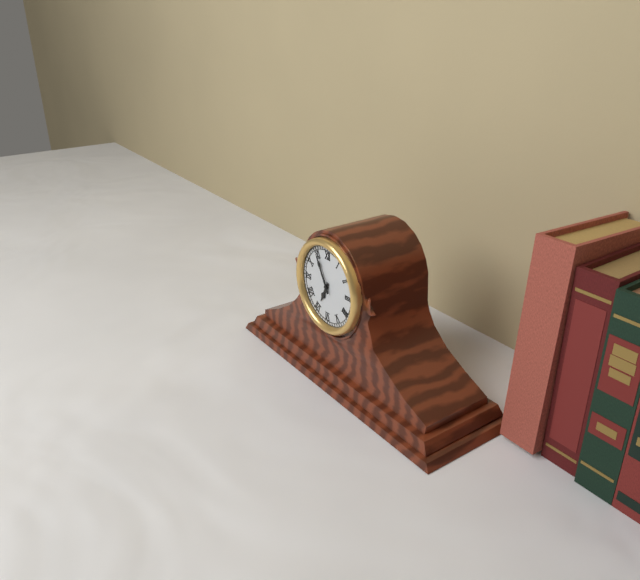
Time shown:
{"hour": 6, "minute": 55}
